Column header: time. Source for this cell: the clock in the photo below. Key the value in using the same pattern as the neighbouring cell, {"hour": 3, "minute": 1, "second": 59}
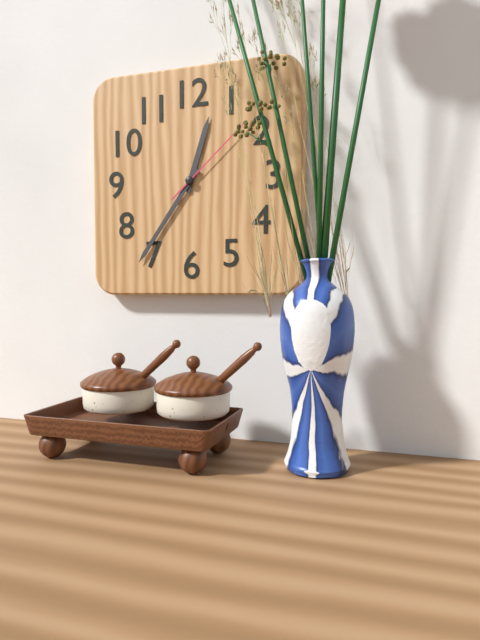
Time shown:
{"hour": 12, "minute": 36, "second": 8}
